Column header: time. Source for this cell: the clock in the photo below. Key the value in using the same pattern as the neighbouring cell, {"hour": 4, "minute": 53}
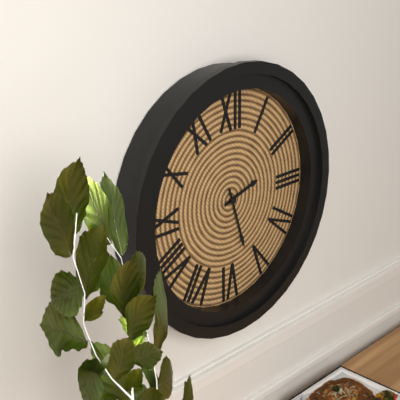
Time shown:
{"hour": 2, "minute": 27}
